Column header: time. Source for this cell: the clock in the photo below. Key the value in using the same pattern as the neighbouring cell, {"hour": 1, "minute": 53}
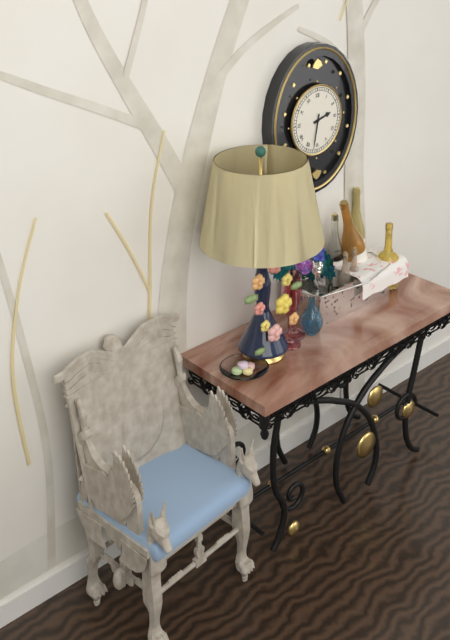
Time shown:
{"hour": 2, "minute": 32}
